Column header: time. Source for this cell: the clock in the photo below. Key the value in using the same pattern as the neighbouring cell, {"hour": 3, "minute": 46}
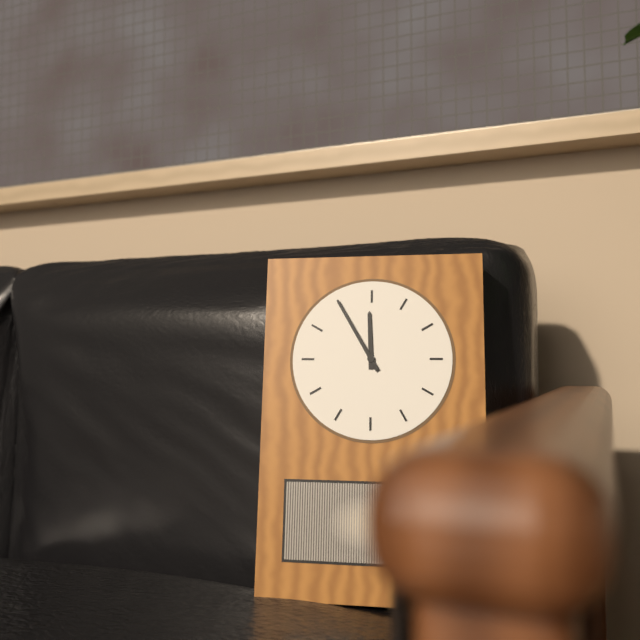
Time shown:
{"hour": 11, "minute": 55}
